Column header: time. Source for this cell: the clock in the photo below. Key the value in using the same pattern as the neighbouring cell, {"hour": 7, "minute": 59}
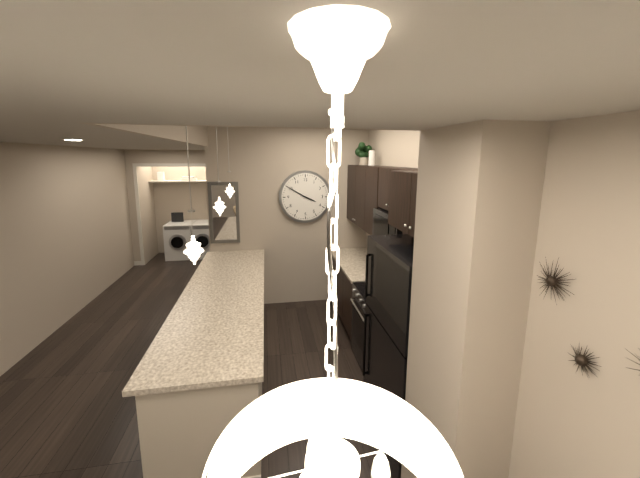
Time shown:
{"hour": 3, "minute": 50}
